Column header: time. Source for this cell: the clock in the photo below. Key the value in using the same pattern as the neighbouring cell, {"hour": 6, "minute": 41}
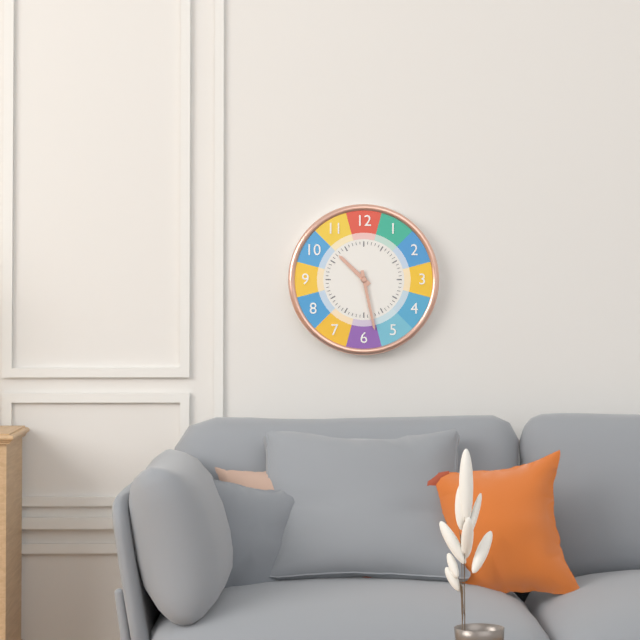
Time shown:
{"hour": 10, "minute": 28}
